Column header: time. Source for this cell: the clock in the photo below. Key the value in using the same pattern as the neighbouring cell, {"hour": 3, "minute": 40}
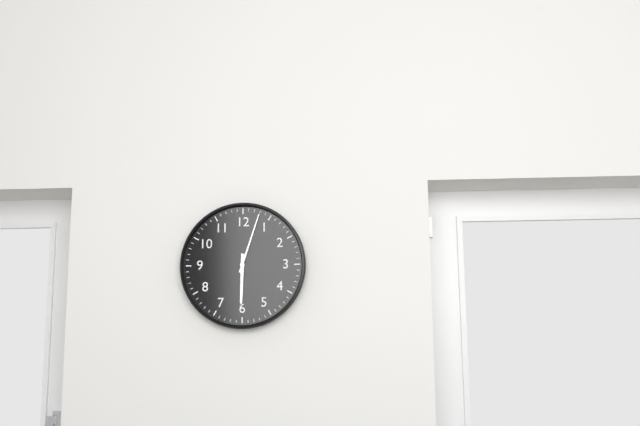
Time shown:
{"hour": 6, "minute": 3}
